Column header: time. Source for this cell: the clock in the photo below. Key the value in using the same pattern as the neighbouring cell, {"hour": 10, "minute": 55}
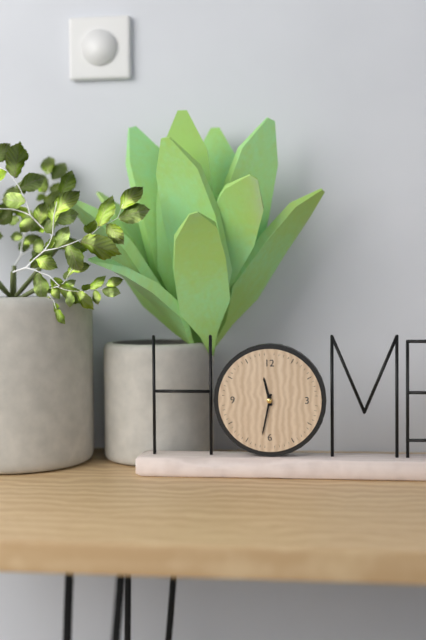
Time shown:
{"hour": 11, "minute": 32}
